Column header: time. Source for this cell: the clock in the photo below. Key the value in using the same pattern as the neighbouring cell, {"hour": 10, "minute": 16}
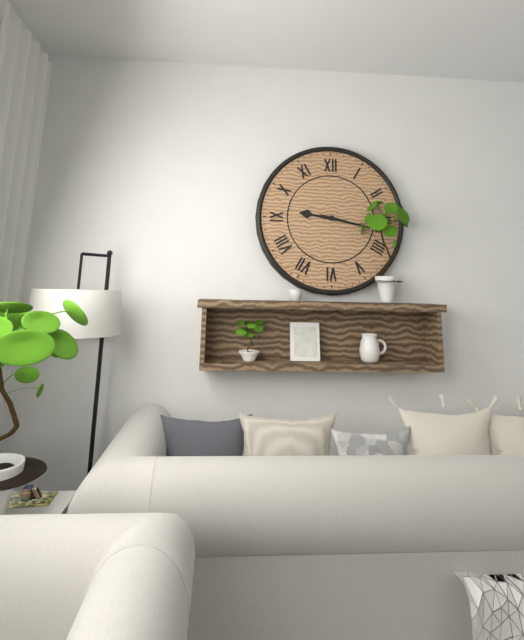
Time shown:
{"hour": 9, "minute": 17}
